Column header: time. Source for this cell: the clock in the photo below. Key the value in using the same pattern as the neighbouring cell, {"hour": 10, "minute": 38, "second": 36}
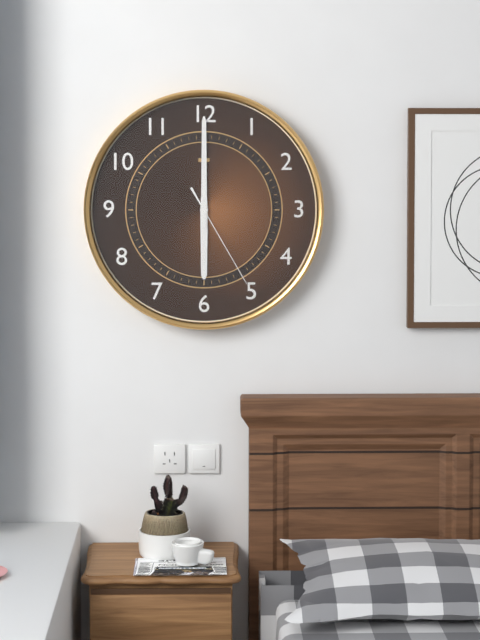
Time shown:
{"hour": 6, "minute": 0, "second": 25}
